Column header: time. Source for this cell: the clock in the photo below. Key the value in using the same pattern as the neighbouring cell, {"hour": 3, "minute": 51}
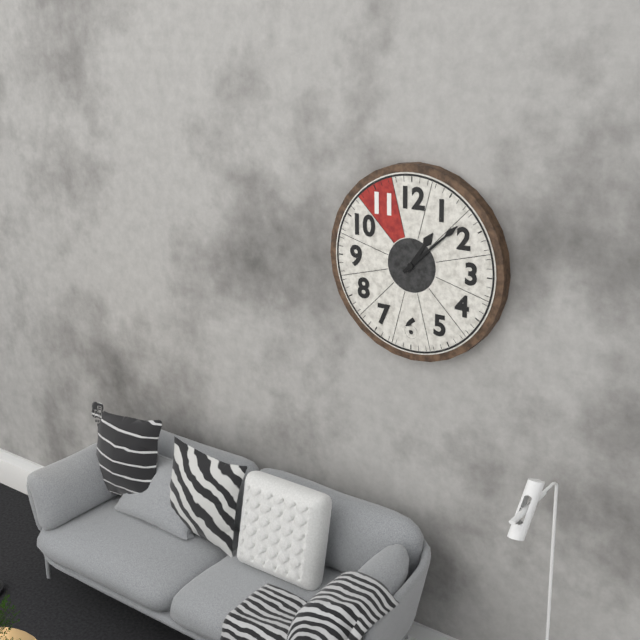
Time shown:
{"hour": 1, "minute": 8}
